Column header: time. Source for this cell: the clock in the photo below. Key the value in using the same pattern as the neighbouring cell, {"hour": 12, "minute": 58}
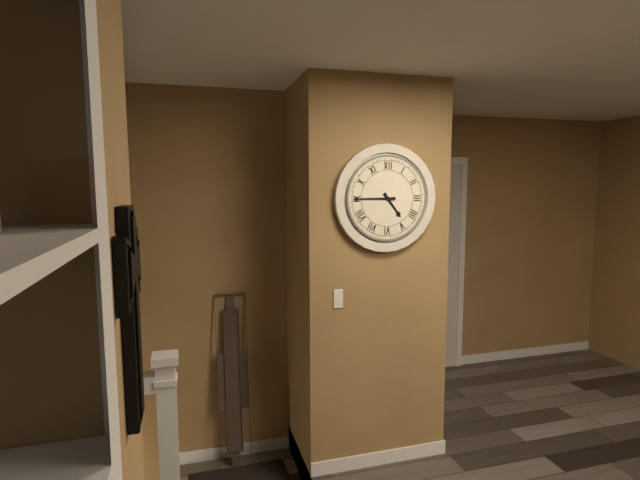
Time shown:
{"hour": 4, "minute": 45}
